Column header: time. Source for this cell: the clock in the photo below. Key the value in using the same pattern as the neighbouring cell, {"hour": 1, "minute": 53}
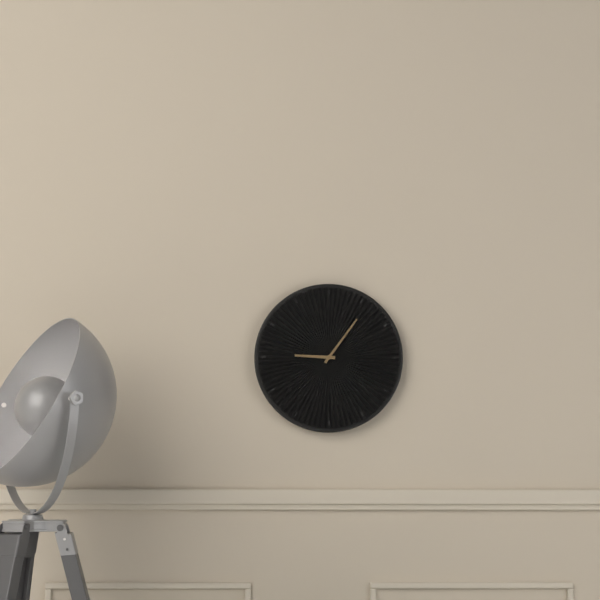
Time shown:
{"hour": 9, "minute": 6}
